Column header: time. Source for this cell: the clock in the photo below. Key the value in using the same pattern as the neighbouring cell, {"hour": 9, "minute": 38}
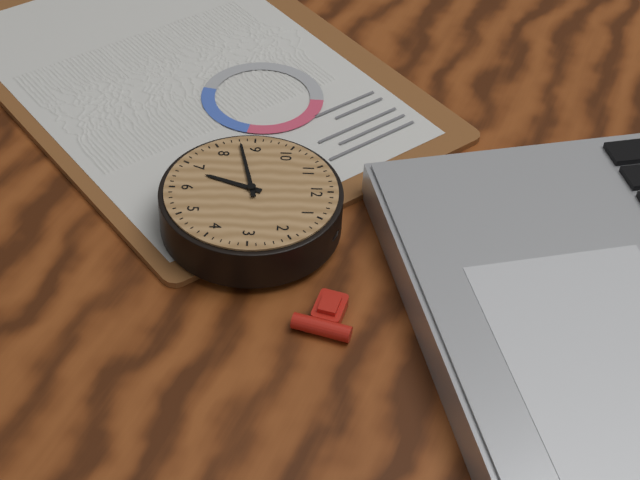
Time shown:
{"hour": 6, "minute": 43}
